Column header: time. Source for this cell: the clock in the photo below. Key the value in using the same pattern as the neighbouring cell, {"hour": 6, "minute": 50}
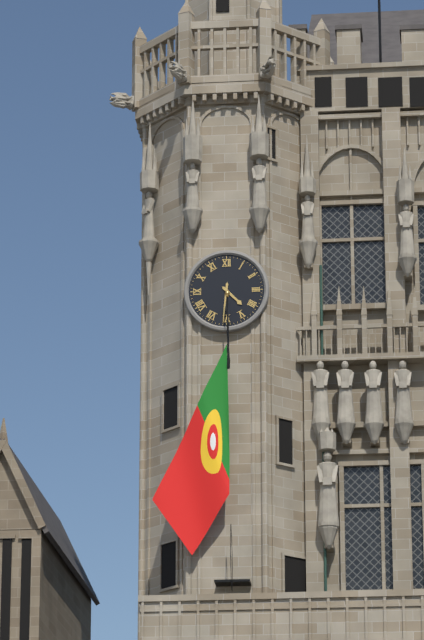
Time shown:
{"hour": 4, "minute": 31}
